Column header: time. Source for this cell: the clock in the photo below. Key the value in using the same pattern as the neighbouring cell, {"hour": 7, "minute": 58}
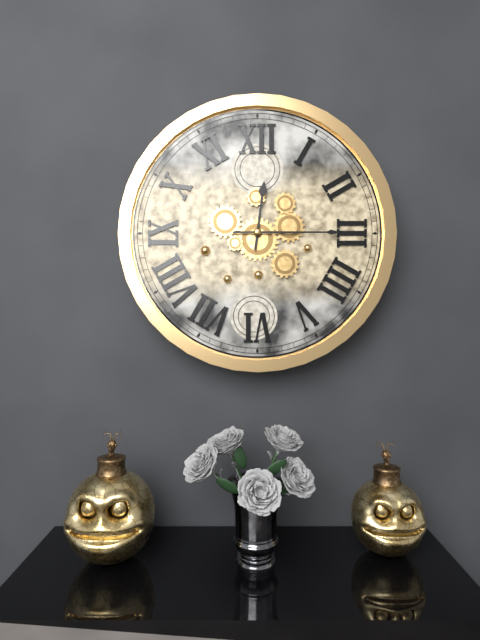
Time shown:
{"hour": 12, "minute": 15}
